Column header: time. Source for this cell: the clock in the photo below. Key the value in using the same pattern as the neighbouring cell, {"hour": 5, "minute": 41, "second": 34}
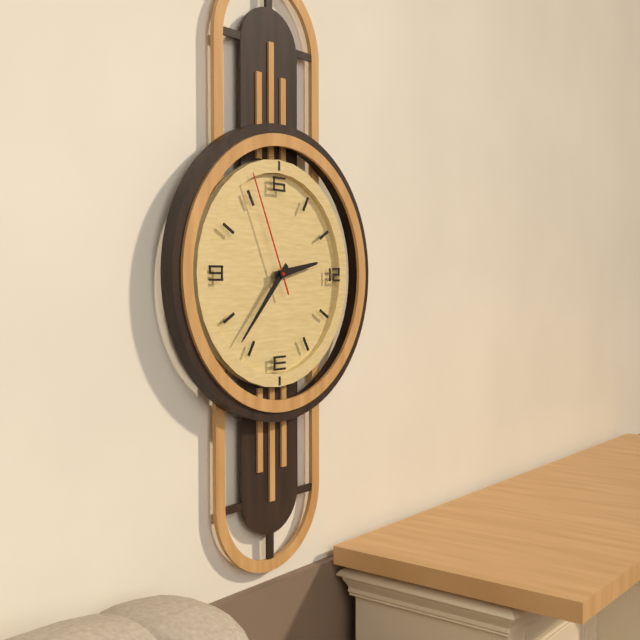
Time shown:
{"hour": 2, "minute": 37, "second": 56}
